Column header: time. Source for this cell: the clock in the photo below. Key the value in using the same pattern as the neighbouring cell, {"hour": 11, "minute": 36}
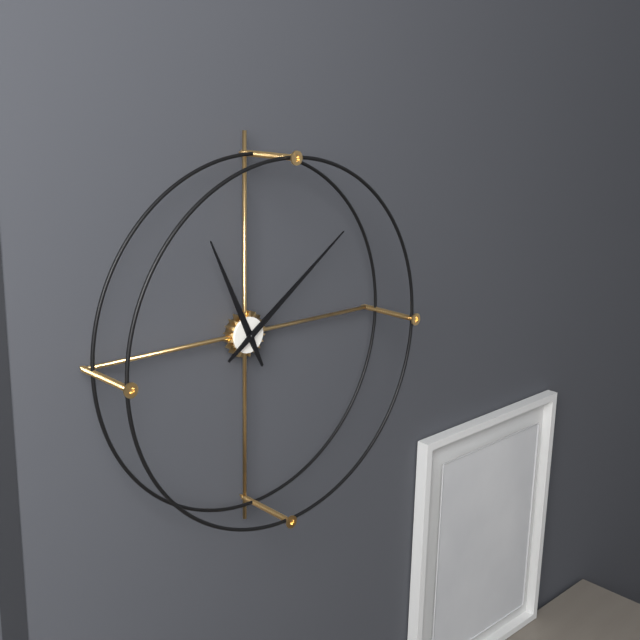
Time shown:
{"hour": 11, "minute": 9}
